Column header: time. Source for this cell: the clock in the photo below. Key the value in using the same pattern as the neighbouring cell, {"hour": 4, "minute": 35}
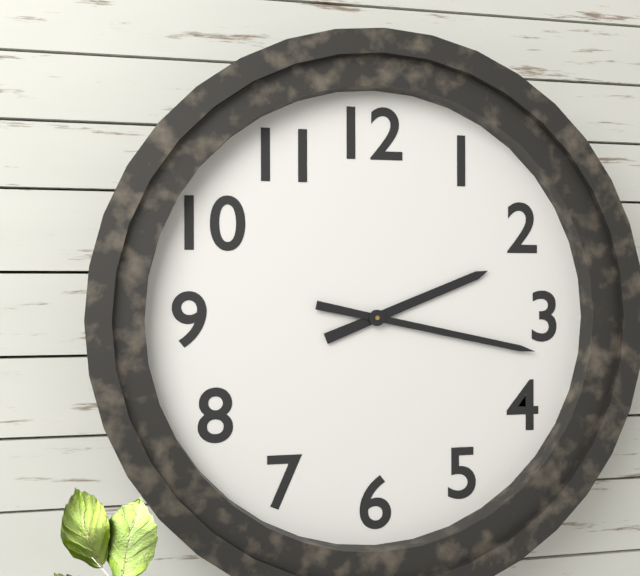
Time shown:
{"hour": 2, "minute": 17}
